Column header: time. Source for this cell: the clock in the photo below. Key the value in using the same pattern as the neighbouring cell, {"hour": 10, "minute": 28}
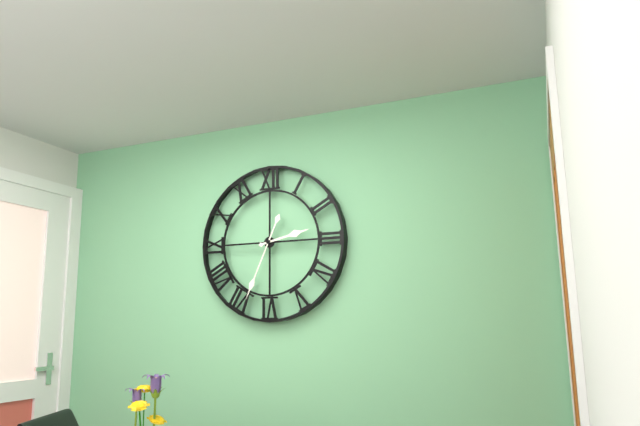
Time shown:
{"hour": 2, "minute": 34}
